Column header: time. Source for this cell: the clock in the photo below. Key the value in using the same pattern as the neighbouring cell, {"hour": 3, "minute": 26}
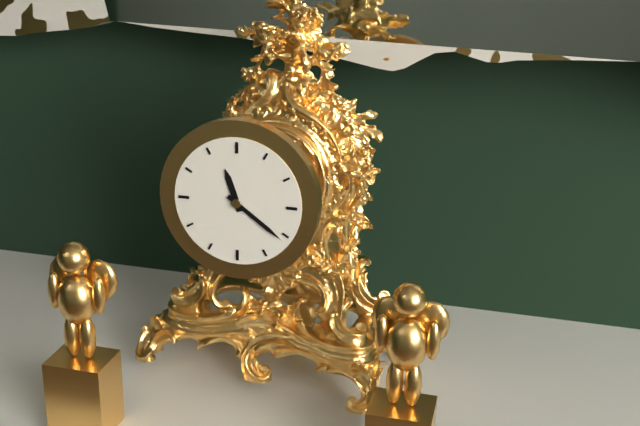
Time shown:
{"hour": 11, "minute": 21}
